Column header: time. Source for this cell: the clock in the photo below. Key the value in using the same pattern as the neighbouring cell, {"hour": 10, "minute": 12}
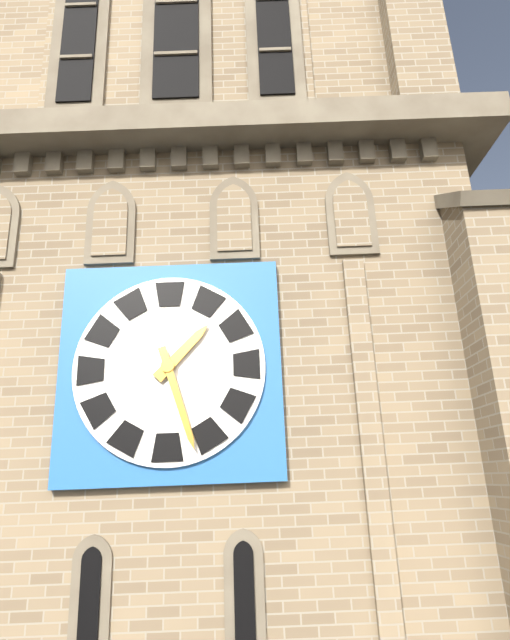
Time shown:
{"hour": 1, "minute": 27}
